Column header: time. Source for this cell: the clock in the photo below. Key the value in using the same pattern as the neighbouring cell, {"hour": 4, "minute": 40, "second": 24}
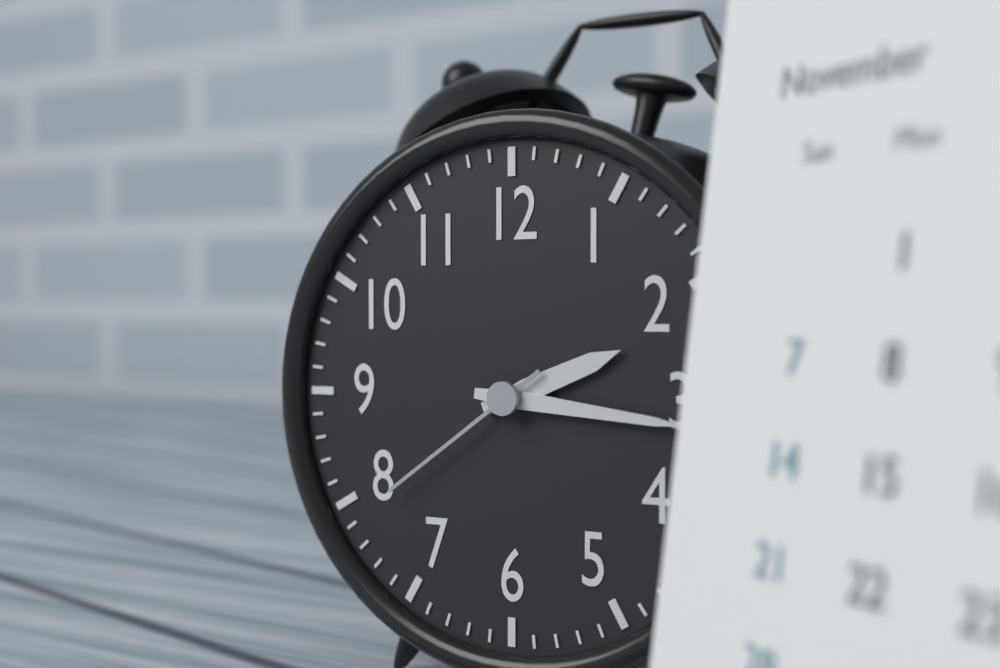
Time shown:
{"hour": 2, "minute": 16, "second": 39}
